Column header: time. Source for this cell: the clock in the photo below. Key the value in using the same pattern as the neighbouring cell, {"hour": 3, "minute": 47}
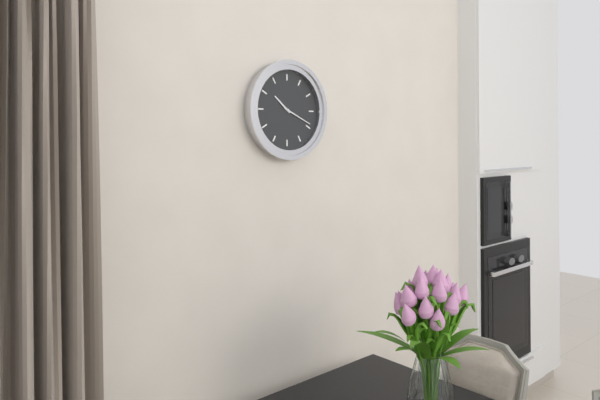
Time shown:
{"hour": 10, "minute": 19}
